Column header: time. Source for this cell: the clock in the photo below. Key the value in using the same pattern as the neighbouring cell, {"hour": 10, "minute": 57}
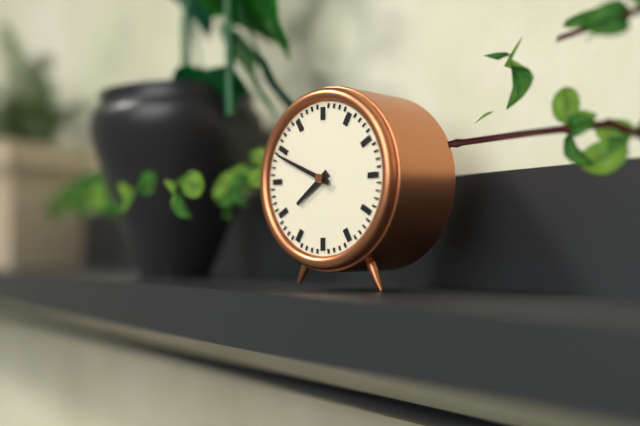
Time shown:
{"hour": 7, "minute": 49}
